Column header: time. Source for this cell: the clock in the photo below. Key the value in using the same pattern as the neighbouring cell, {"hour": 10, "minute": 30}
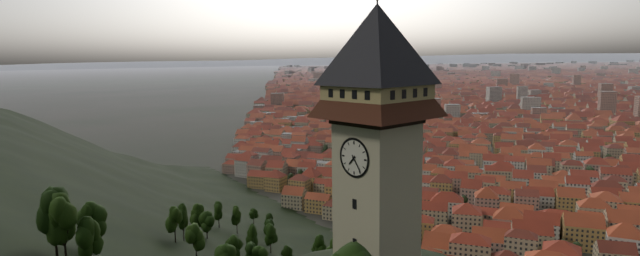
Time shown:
{"hour": 7, "minute": 24}
